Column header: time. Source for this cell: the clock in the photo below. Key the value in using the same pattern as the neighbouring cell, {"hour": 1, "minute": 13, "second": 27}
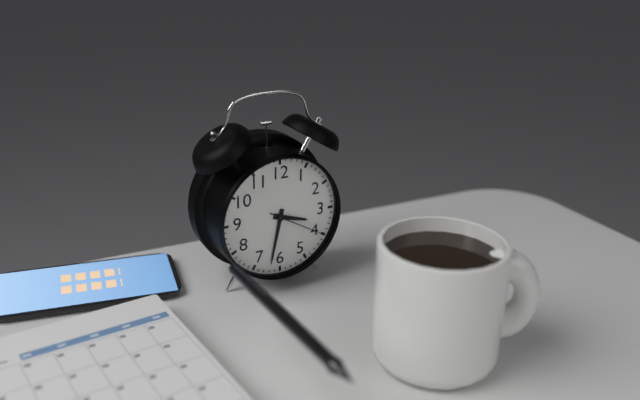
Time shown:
{"hour": 3, "minute": 32, "second": 20}
